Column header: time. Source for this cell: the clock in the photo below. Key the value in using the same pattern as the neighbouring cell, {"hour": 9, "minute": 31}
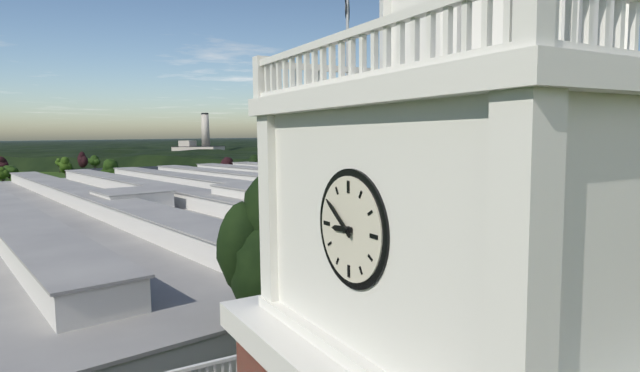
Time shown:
{"hour": 8, "minute": 51}
